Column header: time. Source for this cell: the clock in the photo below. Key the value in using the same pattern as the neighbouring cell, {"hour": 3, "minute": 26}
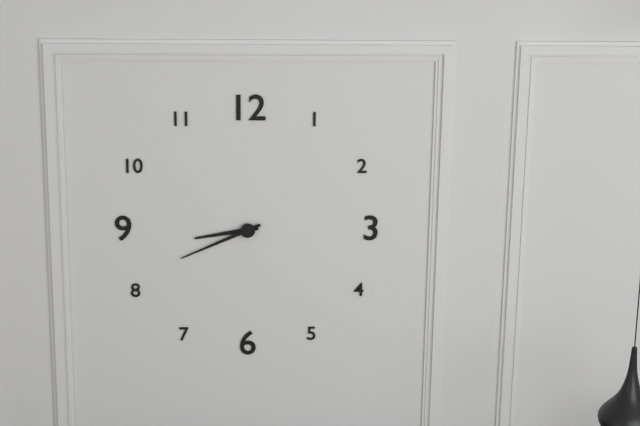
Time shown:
{"hour": 8, "minute": 41}
